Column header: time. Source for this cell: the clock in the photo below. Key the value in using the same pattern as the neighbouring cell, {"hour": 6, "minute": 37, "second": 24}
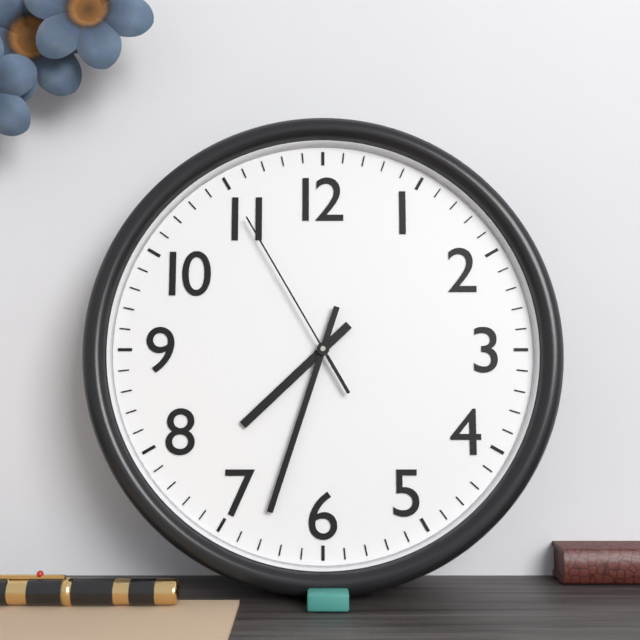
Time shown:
{"hour": 7, "minute": 33, "second": 55}
